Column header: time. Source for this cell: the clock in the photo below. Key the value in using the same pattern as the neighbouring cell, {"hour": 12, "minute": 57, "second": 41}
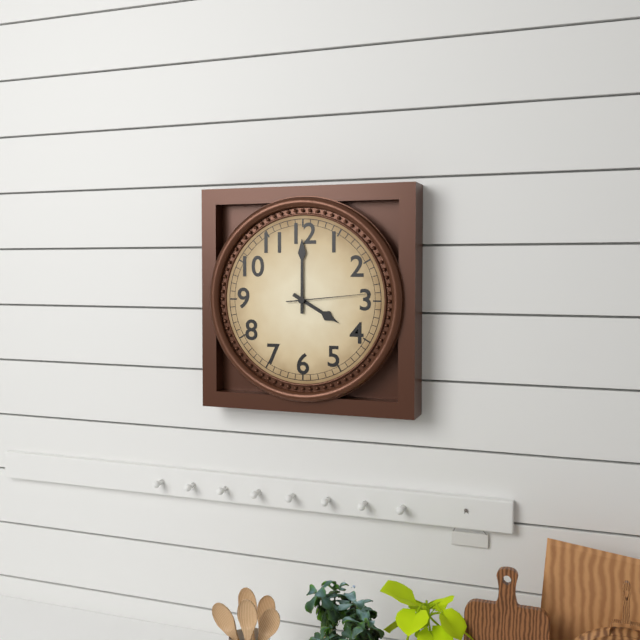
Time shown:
{"hour": 4, "minute": 0, "second": 14}
